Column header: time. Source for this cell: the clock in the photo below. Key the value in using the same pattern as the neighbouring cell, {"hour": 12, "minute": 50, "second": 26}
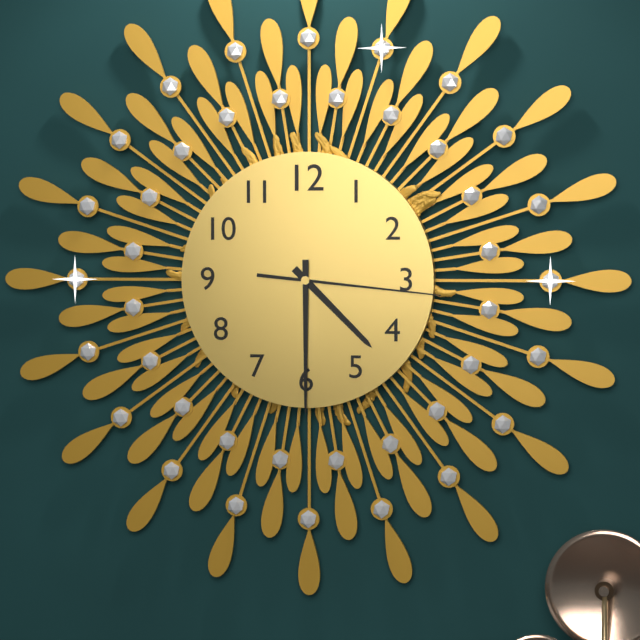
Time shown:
{"hour": 4, "minute": 30, "second": 16}
